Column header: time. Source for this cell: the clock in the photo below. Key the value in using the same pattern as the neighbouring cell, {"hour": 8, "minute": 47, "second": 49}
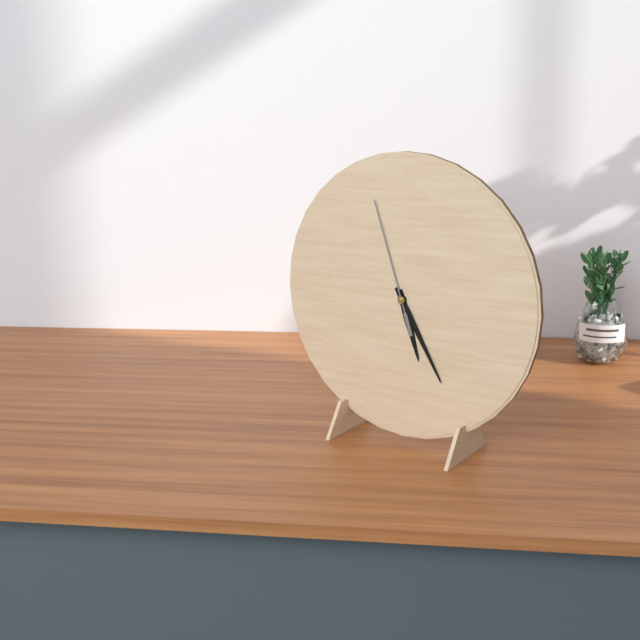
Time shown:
{"hour": 5, "minute": 25, "second": 57}
